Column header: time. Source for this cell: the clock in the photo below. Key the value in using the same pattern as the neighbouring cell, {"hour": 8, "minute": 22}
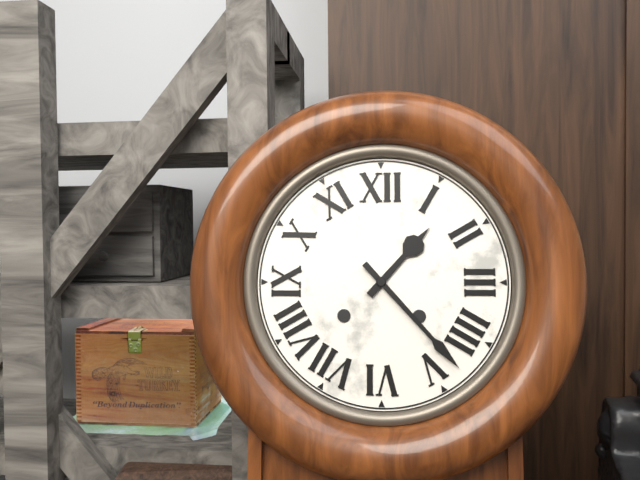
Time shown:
{"hour": 1, "minute": 23}
